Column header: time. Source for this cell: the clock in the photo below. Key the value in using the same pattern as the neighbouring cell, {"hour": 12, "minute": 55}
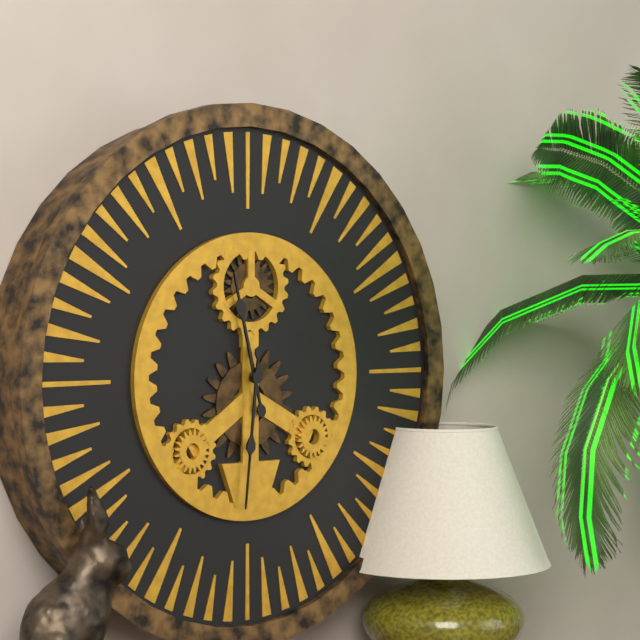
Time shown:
{"hour": 11, "minute": 31}
